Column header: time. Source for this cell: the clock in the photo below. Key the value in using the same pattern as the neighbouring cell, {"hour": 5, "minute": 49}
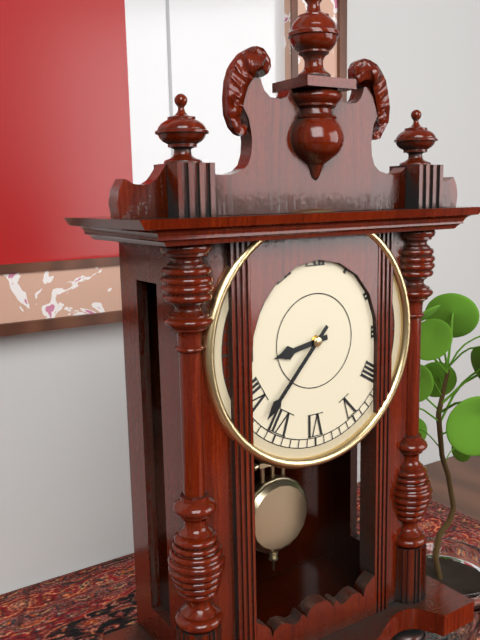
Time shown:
{"hour": 8, "minute": 37}
